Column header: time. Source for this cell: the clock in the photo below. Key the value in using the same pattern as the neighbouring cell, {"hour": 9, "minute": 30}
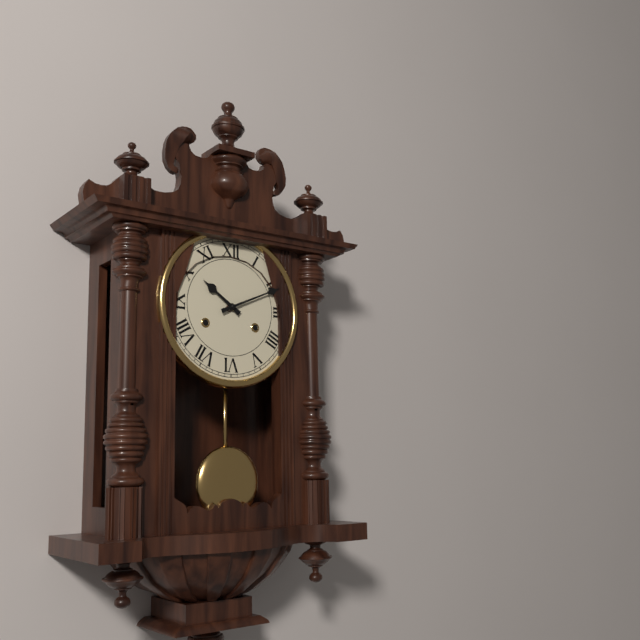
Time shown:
{"hour": 10, "minute": 11}
